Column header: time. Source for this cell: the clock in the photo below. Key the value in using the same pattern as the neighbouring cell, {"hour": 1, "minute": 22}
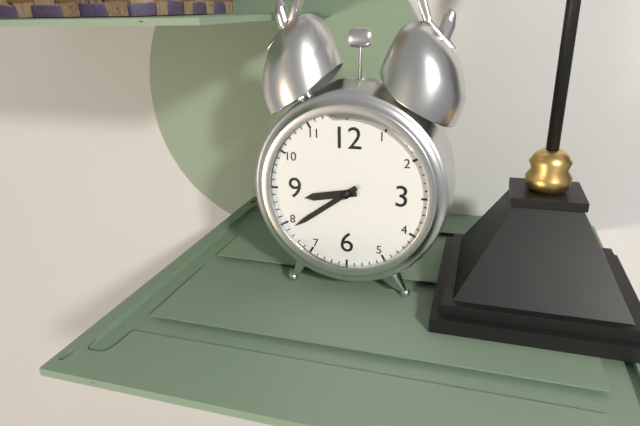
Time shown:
{"hour": 8, "minute": 39}
